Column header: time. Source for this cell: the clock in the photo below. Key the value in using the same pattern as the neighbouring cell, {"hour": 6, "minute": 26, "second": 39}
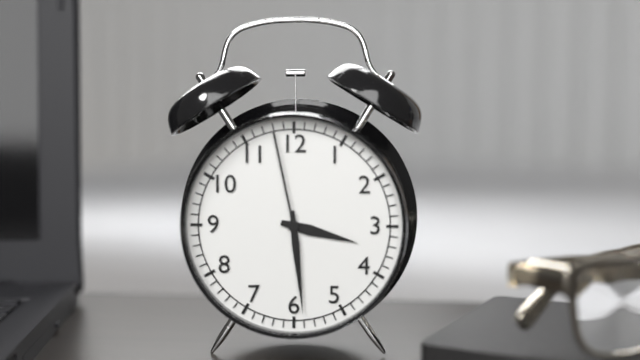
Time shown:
{"hour": 3, "minute": 29, "second": 58}
